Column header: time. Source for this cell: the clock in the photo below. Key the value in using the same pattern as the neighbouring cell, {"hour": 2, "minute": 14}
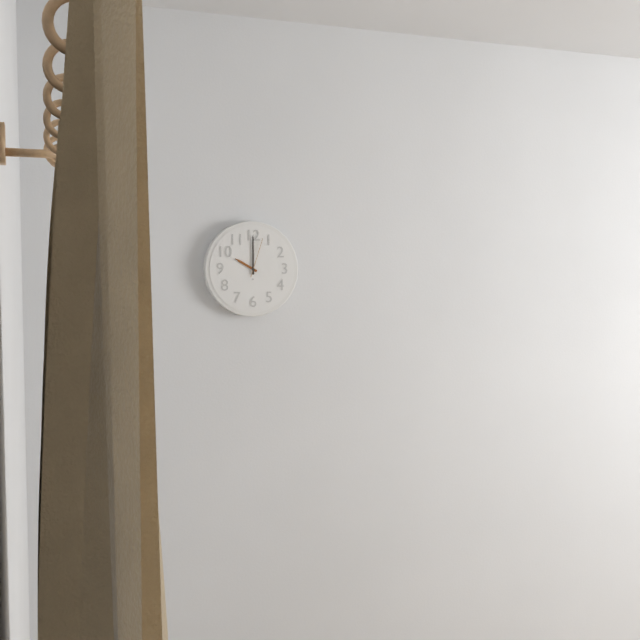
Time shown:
{"hour": 10, "minute": 0}
